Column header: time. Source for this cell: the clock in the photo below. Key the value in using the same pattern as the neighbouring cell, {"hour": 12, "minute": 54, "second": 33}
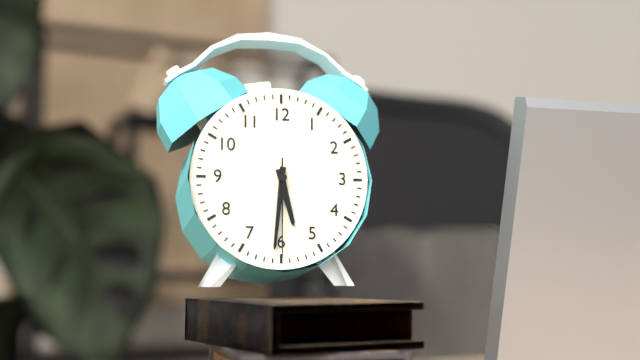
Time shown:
{"hour": 5, "minute": 31, "second": 30}
